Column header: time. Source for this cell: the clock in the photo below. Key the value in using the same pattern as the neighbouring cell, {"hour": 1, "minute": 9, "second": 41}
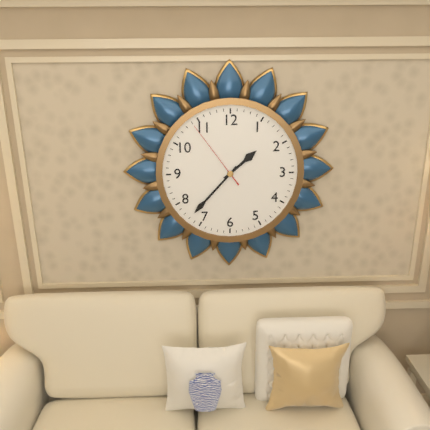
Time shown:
{"hour": 1, "minute": 37, "second": 54}
